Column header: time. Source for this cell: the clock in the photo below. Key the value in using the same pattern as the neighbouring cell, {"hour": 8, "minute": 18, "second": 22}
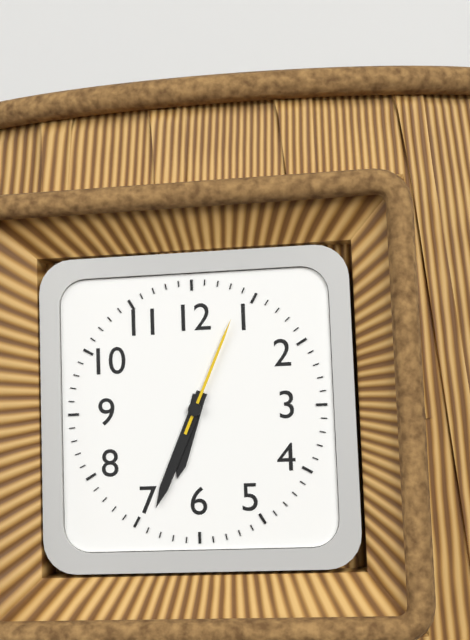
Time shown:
{"hour": 6, "minute": 34, "second": 4}
